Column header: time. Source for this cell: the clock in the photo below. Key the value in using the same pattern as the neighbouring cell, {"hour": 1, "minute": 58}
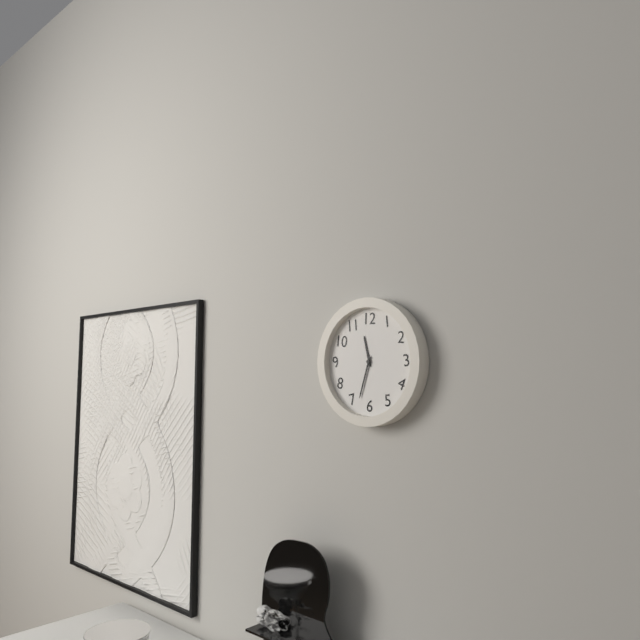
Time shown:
{"hour": 11, "minute": 33}
